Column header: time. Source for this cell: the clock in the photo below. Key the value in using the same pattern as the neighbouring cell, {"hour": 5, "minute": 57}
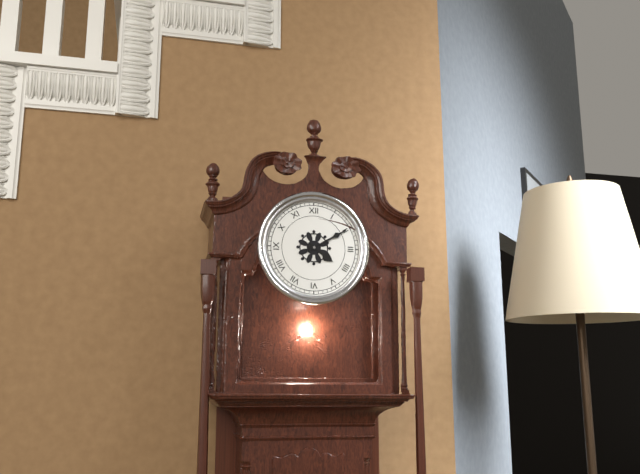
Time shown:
{"hour": 4, "minute": 10}
